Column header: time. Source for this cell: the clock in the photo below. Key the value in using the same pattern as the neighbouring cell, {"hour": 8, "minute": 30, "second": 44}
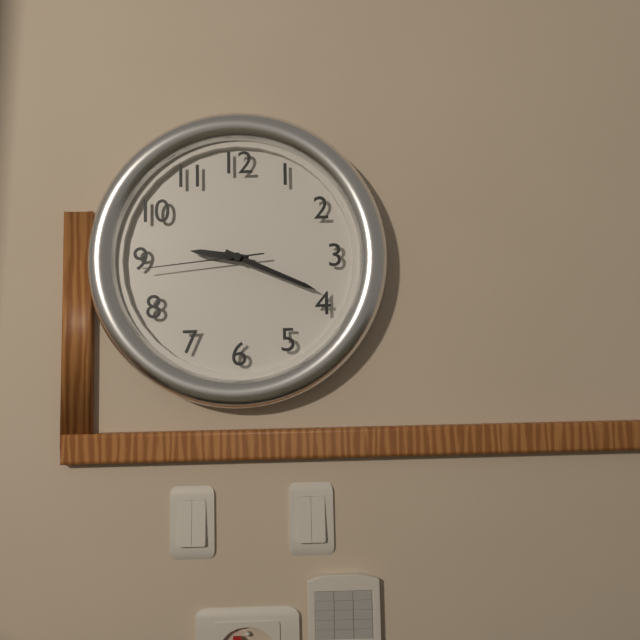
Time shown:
{"hour": 9, "minute": 19, "second": 44}
